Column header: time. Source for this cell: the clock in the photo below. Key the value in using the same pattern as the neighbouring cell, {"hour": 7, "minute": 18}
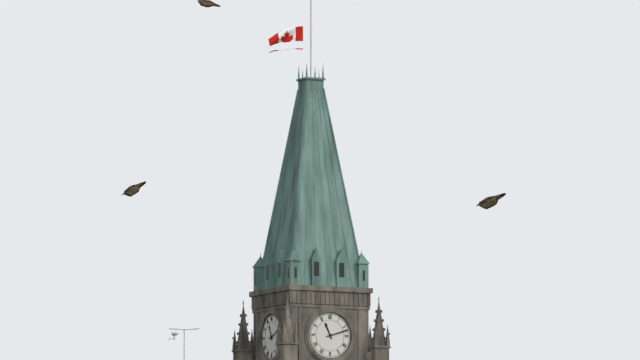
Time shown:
{"hour": 11, "minute": 12}
